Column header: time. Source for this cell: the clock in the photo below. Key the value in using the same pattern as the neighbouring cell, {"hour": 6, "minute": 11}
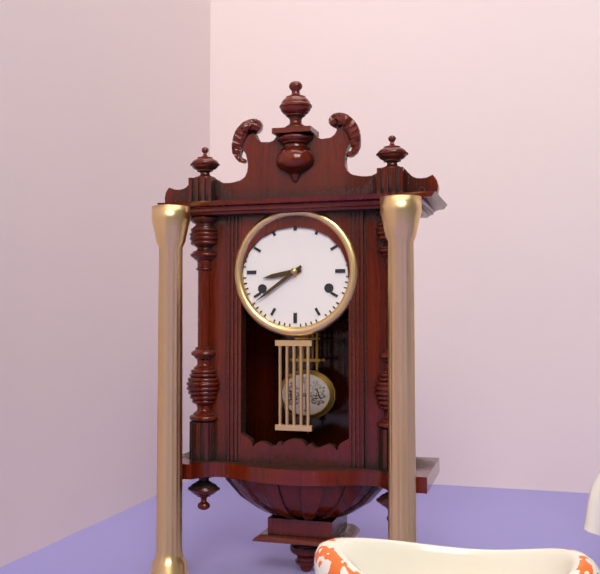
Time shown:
{"hour": 8, "minute": 39}
